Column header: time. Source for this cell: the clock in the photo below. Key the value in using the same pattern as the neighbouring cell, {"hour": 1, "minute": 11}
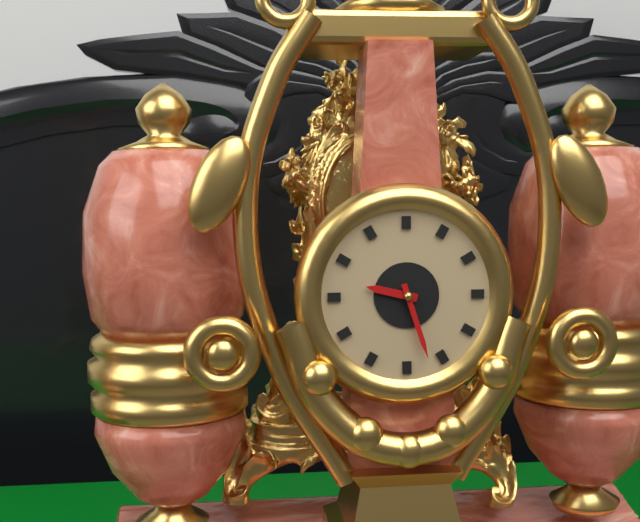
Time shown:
{"hour": 9, "minute": 27}
